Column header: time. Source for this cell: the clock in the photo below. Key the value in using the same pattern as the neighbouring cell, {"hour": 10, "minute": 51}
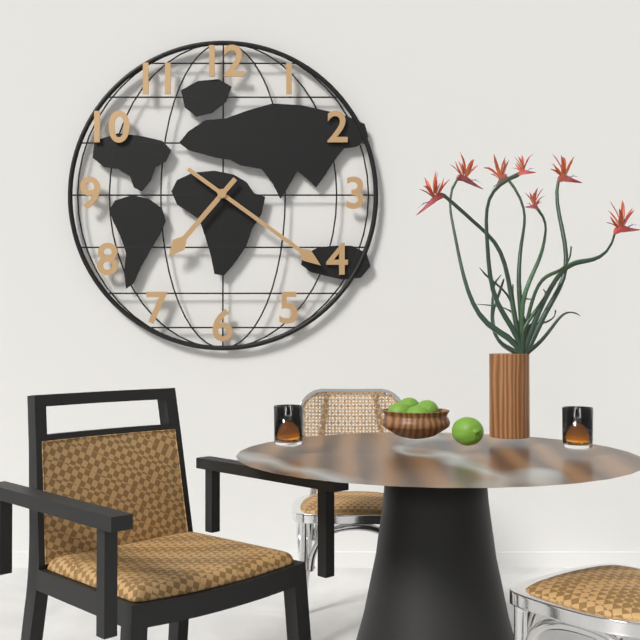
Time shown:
{"hour": 7, "minute": 21}
